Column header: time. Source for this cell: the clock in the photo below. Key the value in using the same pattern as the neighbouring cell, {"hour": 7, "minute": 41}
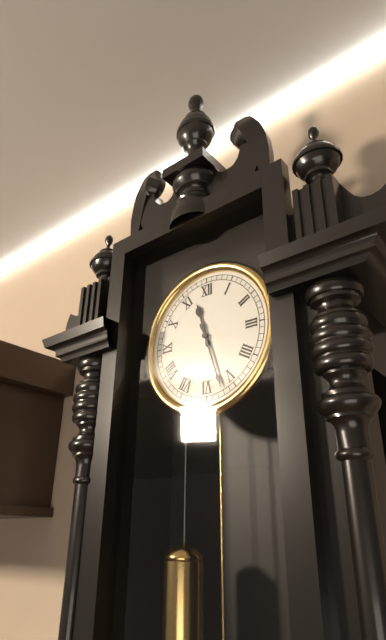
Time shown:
{"hour": 11, "minute": 27}
